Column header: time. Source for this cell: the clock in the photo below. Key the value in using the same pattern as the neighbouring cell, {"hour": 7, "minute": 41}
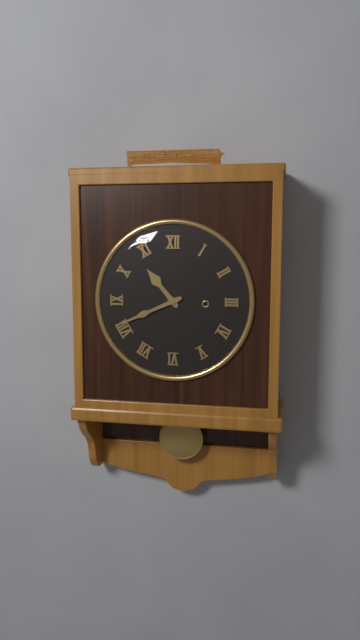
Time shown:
{"hour": 10, "minute": 41}
